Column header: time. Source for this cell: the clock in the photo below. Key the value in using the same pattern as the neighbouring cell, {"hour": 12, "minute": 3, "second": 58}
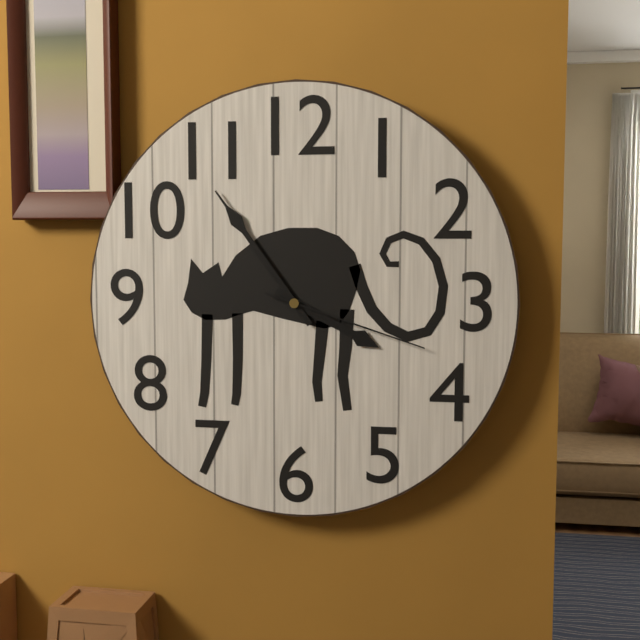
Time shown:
{"hour": 3, "minute": 54, "second": 18}
